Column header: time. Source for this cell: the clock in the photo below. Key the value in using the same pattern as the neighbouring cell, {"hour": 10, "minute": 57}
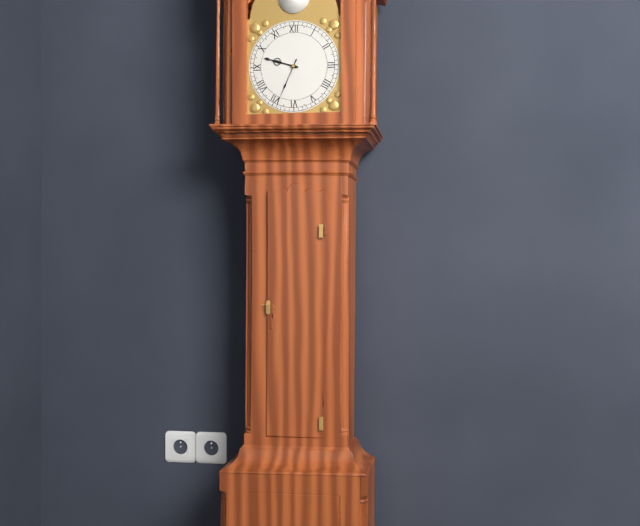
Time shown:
{"hour": 9, "minute": 34}
